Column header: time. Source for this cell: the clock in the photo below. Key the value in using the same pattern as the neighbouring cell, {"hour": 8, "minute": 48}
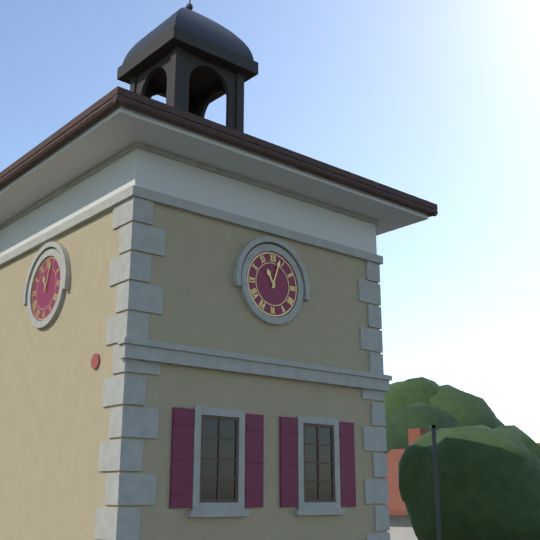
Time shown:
{"hour": 11, "minute": 3}
